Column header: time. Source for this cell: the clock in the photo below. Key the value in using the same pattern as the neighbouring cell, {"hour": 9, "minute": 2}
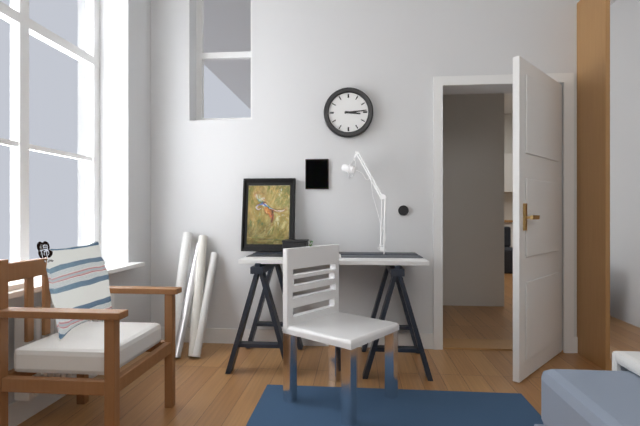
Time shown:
{"hour": 3, "minute": 14}
